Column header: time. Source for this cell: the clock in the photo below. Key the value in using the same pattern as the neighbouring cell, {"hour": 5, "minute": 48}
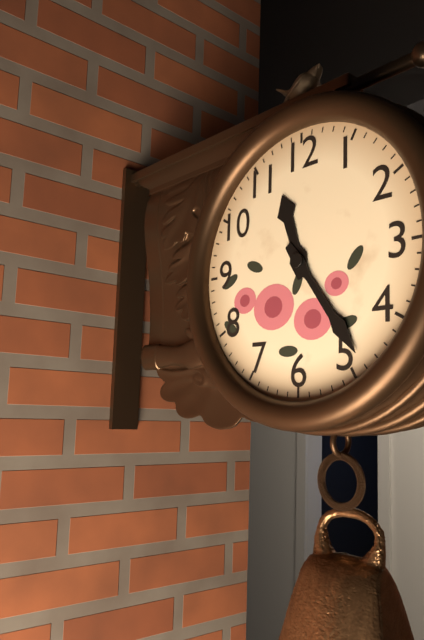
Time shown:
{"hour": 11, "minute": 24}
